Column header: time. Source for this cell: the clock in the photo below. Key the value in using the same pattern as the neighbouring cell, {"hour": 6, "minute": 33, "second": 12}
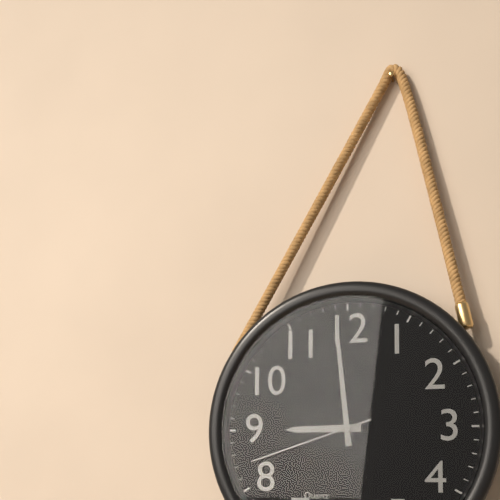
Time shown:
{"hour": 8, "minute": 59, "second": 42}
